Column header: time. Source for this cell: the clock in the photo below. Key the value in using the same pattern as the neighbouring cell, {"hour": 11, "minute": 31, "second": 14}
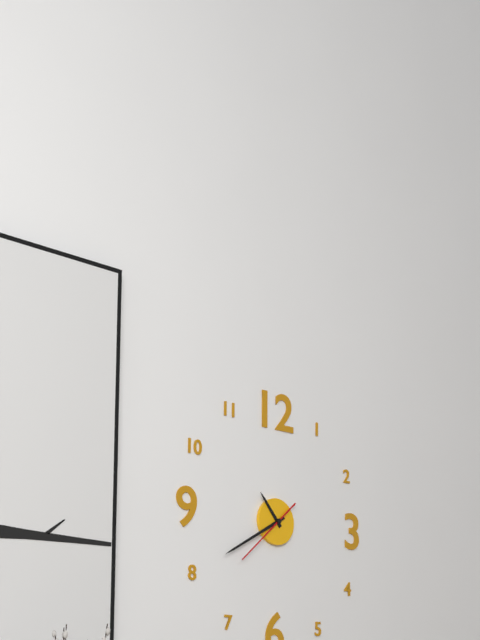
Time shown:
{"hour": 10, "minute": 40, "second": 38}
